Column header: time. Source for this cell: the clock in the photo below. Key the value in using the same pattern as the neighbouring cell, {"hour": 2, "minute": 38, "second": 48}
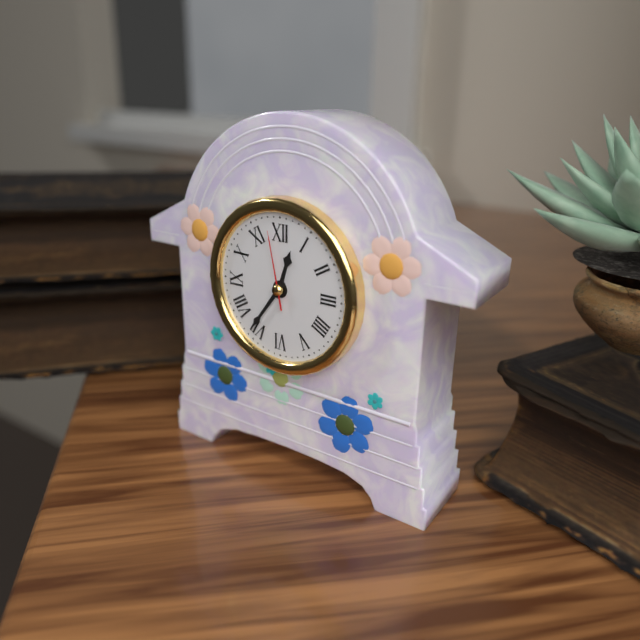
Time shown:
{"hour": 12, "minute": 36, "second": 58}
